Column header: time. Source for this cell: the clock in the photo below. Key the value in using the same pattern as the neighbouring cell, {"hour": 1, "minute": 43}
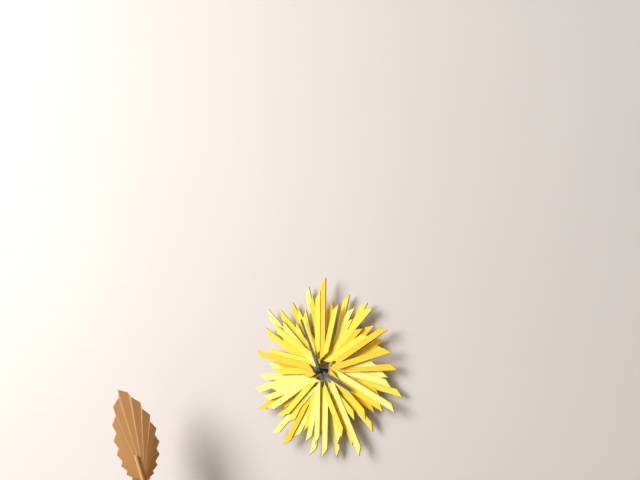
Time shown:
{"hour": 3, "minute": 56}
